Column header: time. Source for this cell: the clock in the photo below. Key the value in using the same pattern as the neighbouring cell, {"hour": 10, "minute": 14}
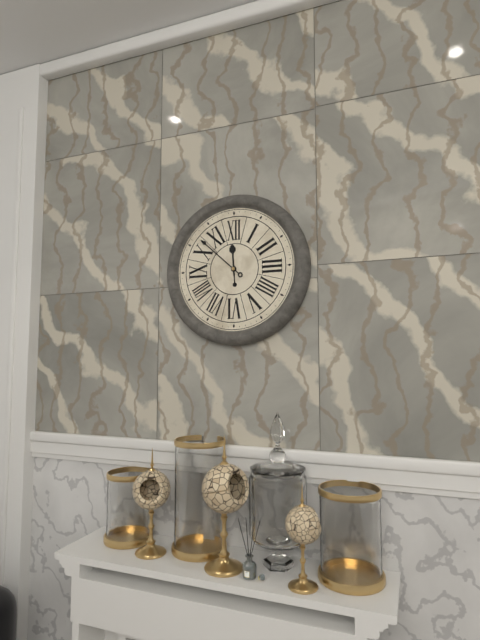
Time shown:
{"hour": 11, "minute": 52}
